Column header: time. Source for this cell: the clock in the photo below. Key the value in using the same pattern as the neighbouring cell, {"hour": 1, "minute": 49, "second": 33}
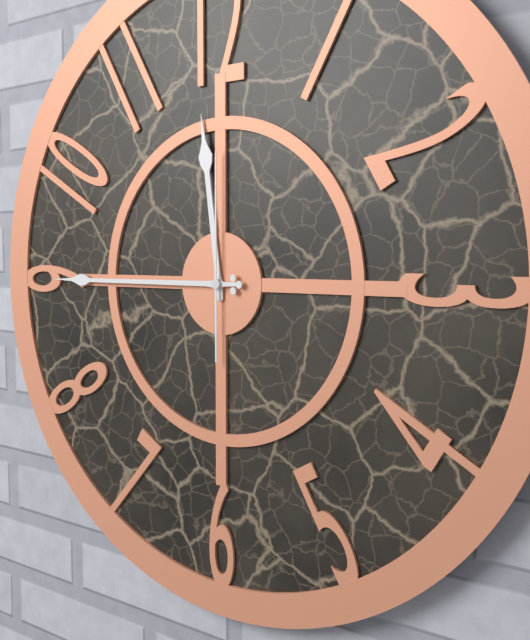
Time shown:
{"hour": 11, "minute": 45, "second": 0}
